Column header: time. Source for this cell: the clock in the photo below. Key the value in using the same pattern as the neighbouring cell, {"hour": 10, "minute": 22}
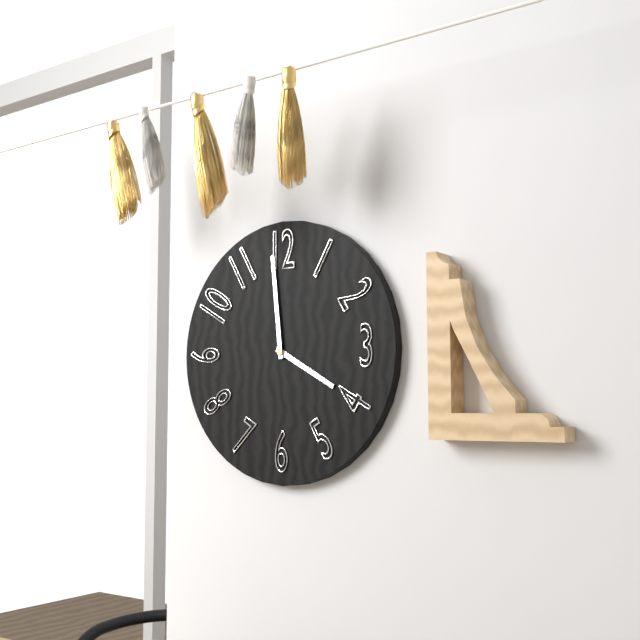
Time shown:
{"hour": 3, "minute": 59}
